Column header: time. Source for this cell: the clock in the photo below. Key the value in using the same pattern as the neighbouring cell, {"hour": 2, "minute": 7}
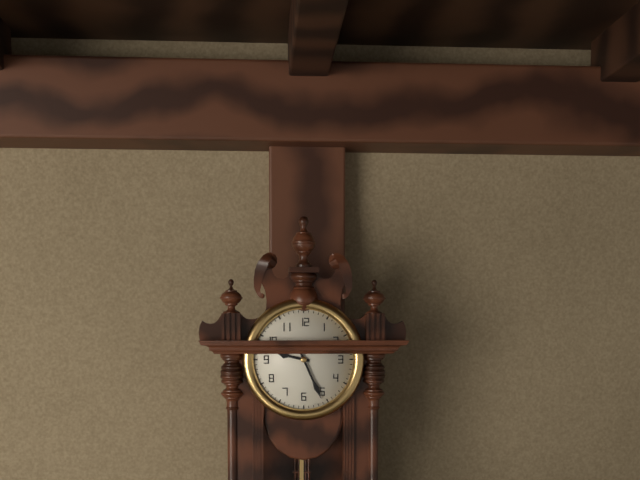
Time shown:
{"hour": 9, "minute": 26}
